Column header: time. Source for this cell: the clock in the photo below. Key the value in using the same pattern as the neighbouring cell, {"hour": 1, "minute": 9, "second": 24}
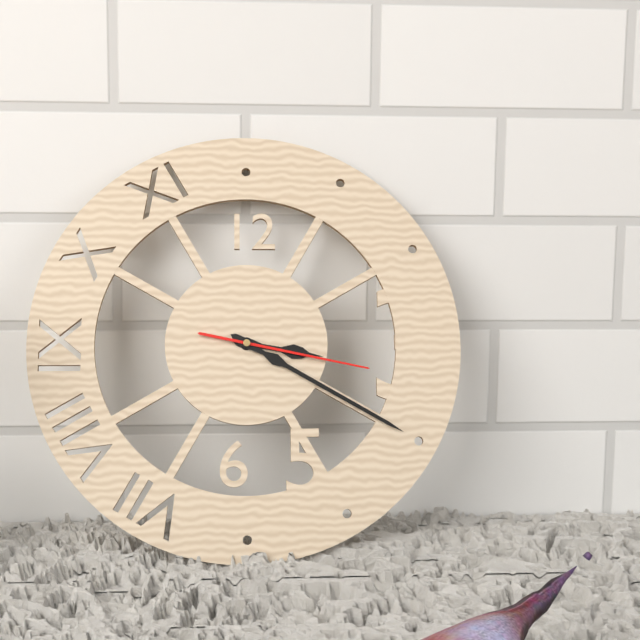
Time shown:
{"hour": 3, "minute": 20, "second": 17}
